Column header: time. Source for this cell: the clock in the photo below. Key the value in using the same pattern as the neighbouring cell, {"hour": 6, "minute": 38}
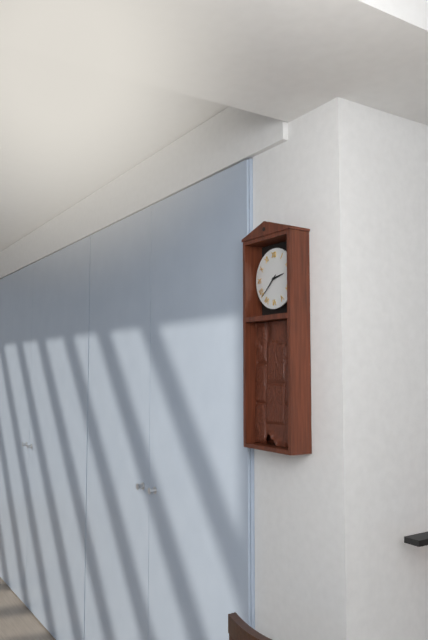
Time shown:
{"hour": 2, "minute": 38}
